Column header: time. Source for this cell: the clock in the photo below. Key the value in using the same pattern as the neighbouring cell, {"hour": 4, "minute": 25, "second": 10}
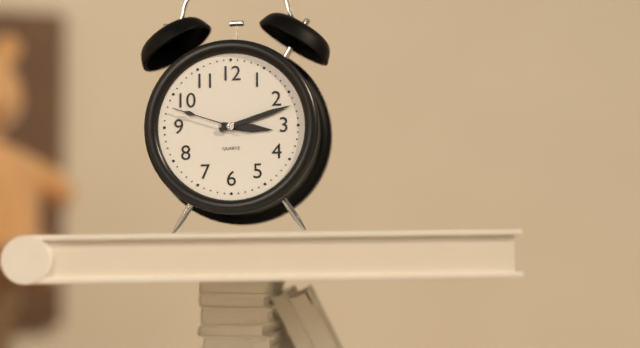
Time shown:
{"hour": 3, "minute": 12, "second": 48}
